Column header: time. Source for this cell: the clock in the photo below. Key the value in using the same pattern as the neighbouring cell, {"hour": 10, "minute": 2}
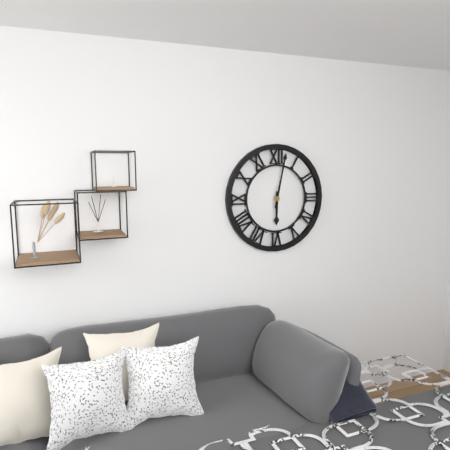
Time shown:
{"hour": 6, "minute": 2}
